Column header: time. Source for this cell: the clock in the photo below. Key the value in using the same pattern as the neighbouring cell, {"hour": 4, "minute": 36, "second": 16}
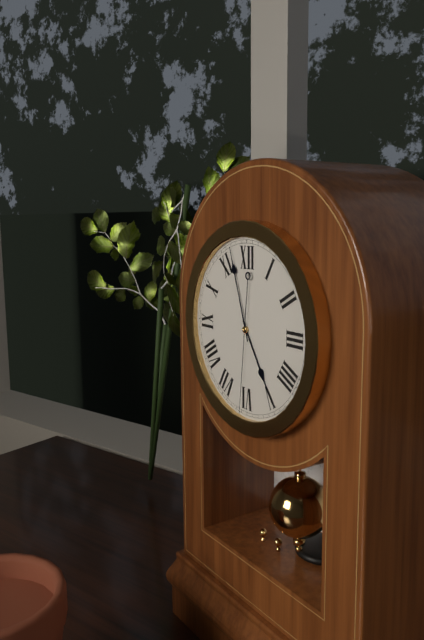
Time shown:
{"hour": 4, "minute": 57, "second": 31}
